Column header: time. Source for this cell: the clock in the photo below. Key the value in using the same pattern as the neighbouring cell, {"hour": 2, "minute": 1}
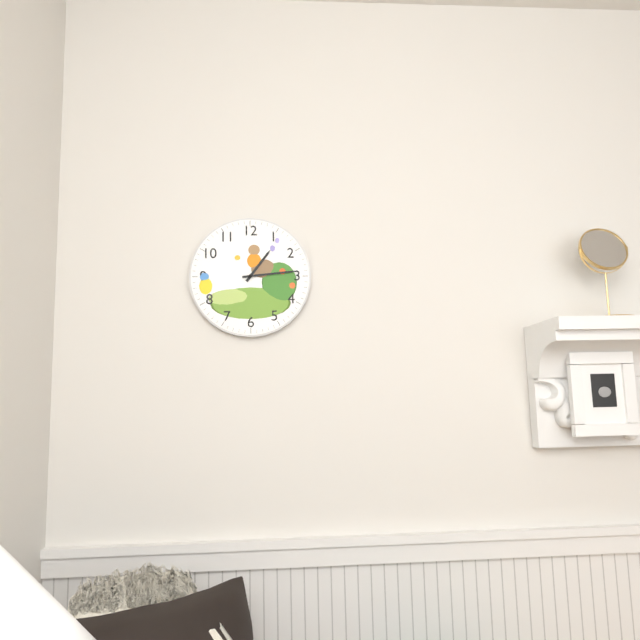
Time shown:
{"hour": 1, "minute": 14}
